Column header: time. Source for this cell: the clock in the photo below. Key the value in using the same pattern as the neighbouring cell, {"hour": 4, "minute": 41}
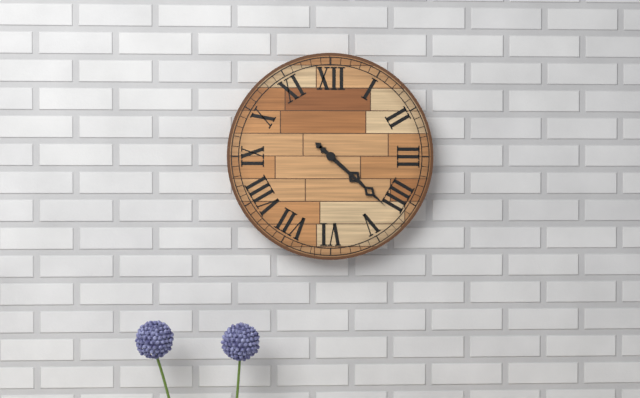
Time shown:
{"hour": 4, "minute": 22}
